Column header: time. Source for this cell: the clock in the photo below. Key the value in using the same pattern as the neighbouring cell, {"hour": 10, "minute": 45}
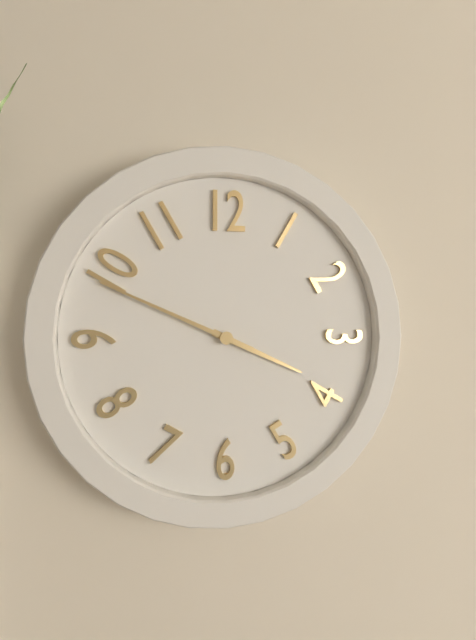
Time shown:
{"hour": 3, "minute": 49}
